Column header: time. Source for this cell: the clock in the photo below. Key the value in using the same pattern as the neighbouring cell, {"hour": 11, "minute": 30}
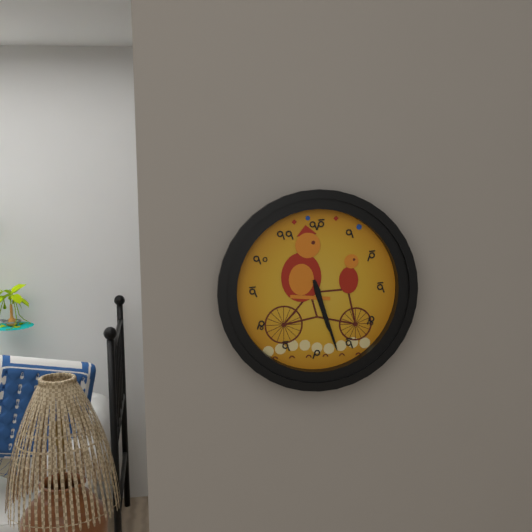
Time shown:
{"hour": 5, "minute": 27}
